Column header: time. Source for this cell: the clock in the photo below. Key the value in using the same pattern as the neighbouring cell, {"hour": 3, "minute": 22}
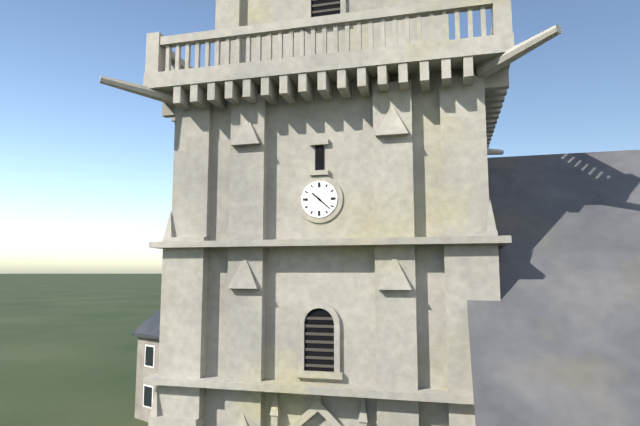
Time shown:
{"hour": 10, "minute": 22}
